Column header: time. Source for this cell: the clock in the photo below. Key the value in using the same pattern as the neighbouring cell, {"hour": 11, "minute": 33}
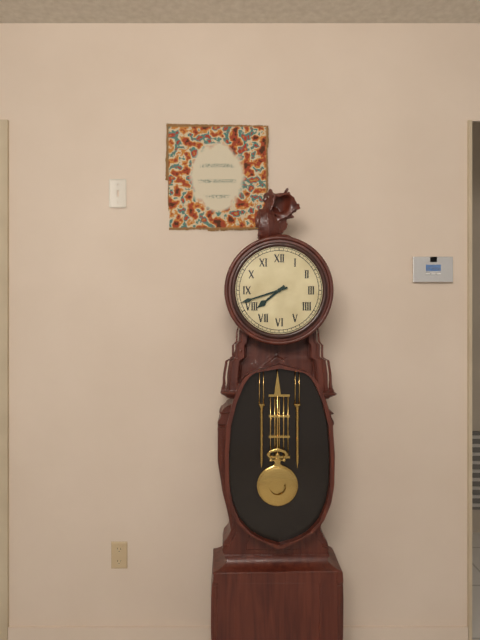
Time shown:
{"hour": 7, "minute": 42}
